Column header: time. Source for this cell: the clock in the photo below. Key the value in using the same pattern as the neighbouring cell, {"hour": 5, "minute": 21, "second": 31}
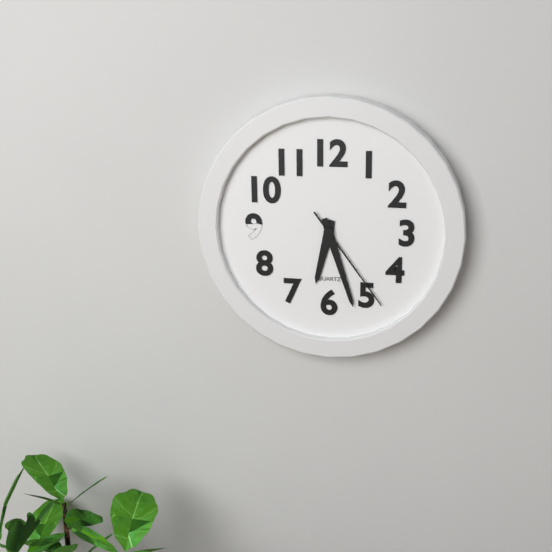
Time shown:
{"hour": 6, "minute": 27, "second": 24}
